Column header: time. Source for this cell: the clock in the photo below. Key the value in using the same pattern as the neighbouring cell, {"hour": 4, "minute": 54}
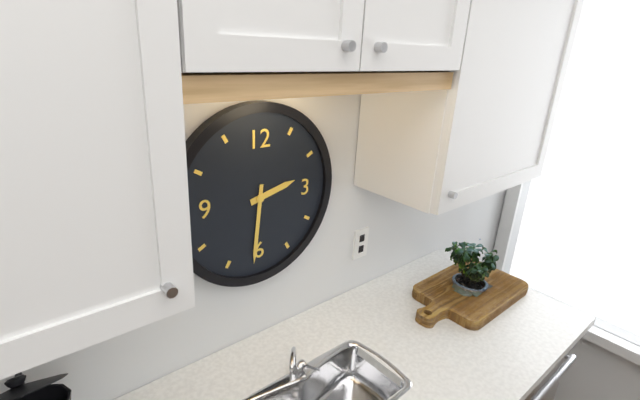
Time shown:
{"hour": 2, "minute": 31}
